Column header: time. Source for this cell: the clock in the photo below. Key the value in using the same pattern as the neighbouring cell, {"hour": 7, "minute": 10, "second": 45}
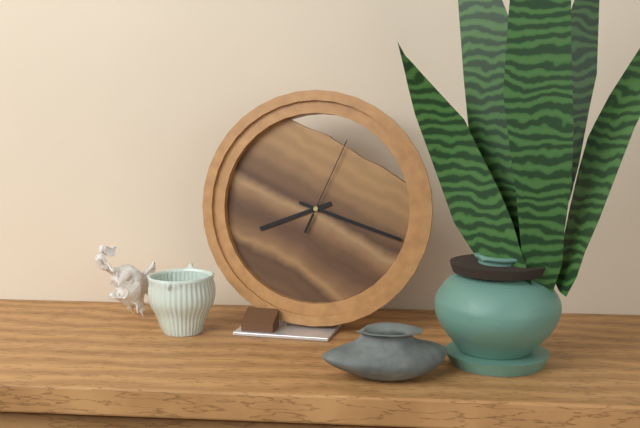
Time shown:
{"hour": 8, "minute": 18, "second": 4}
